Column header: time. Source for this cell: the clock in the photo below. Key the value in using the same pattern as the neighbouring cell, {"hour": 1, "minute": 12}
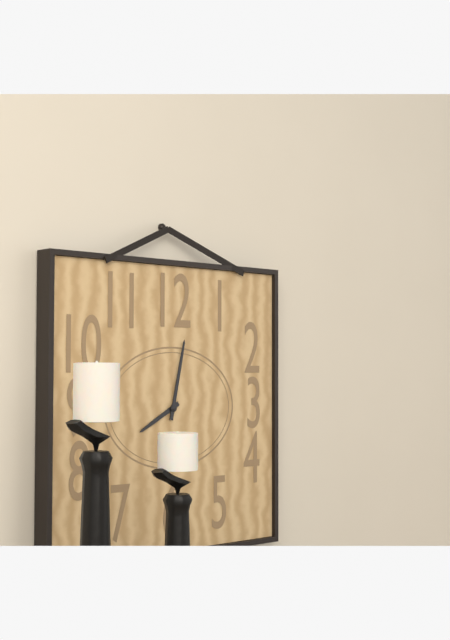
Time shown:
{"hour": 8, "minute": 2}
